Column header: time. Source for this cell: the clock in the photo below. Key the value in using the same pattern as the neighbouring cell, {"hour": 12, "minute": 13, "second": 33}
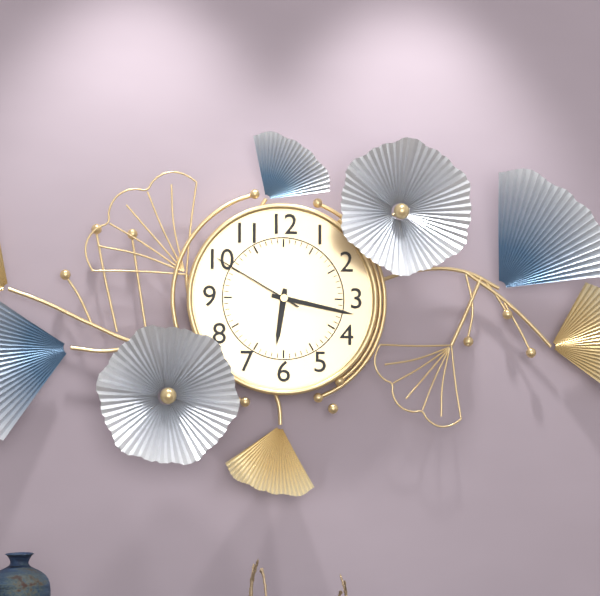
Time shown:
{"hour": 6, "minute": 17, "second": 50}
